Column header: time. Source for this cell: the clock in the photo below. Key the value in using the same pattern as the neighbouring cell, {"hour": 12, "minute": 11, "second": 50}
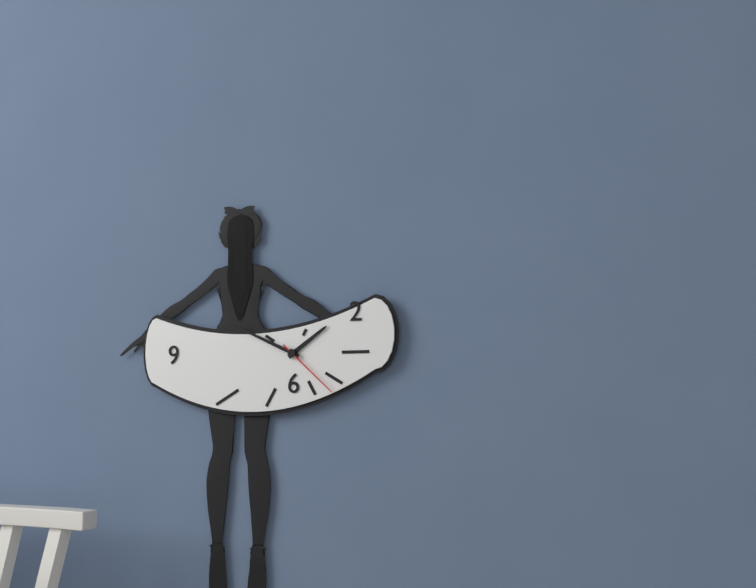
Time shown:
{"hour": 1, "minute": 49, "second": 22}
